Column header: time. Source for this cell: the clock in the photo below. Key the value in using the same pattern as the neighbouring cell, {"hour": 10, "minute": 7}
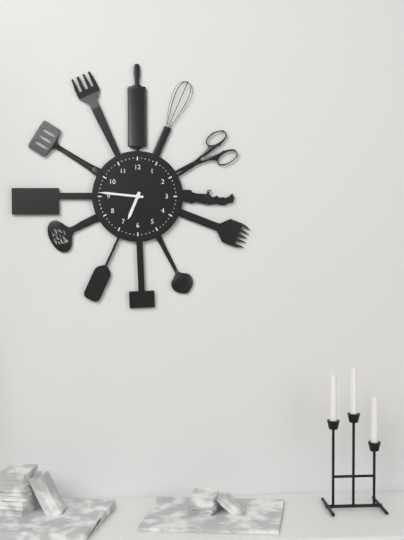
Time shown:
{"hour": 6, "minute": 46}
